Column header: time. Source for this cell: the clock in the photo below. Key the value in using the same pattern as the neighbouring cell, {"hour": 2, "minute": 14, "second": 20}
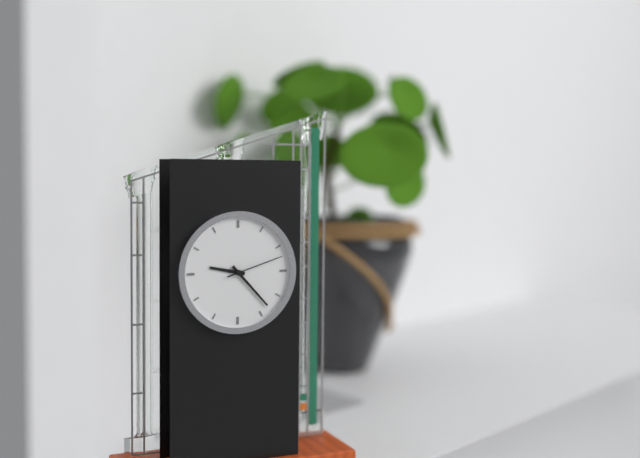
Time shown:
{"hour": 9, "minute": 23, "second": 12}
